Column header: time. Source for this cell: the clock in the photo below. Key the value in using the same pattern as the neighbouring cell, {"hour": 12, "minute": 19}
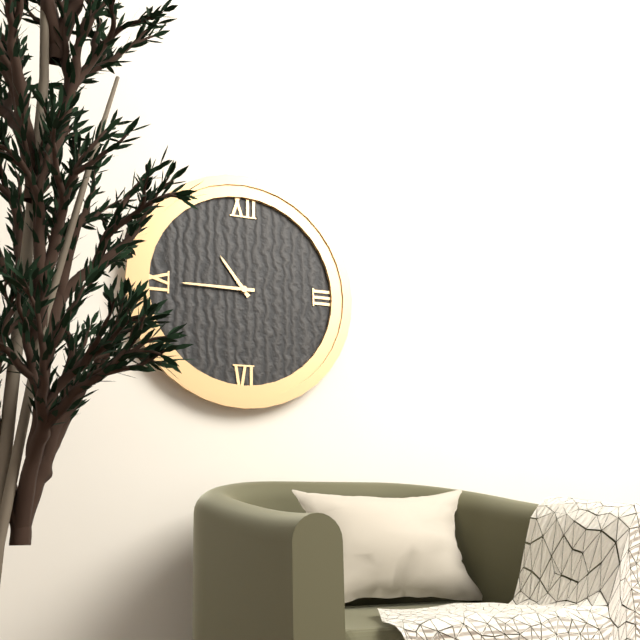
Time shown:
{"hour": 10, "minute": 45}
